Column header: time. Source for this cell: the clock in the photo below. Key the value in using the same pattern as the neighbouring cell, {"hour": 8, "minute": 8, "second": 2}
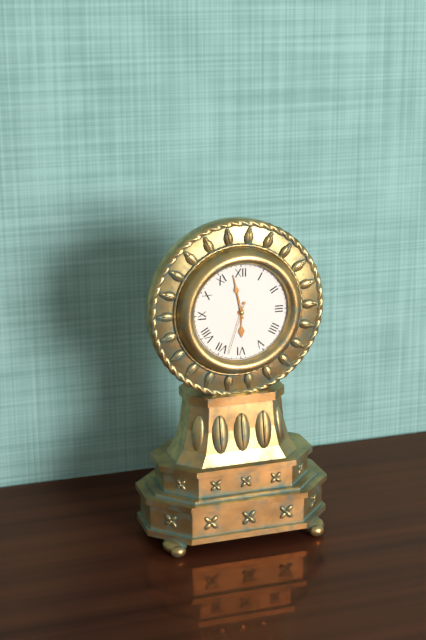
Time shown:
{"hour": 5, "minute": 58, "second": 33}
